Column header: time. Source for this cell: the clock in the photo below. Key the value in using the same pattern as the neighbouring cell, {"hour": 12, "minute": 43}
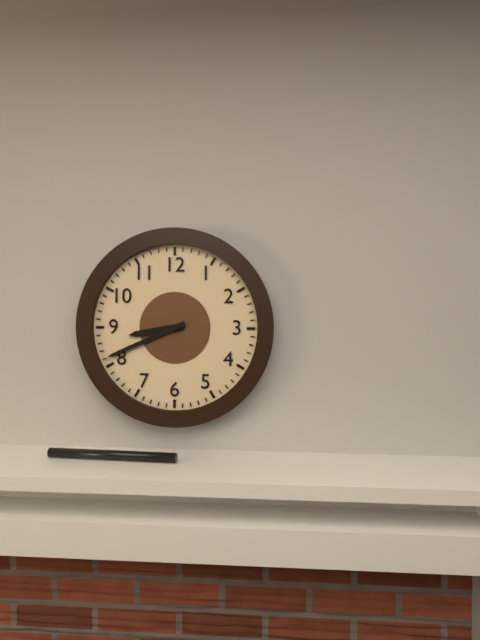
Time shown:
{"hour": 8, "minute": 41}
